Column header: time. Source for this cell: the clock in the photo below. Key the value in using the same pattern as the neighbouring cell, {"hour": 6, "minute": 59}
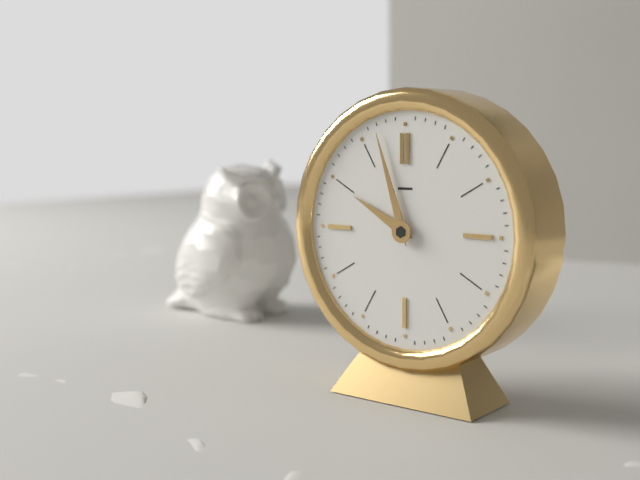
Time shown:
{"hour": 9, "minute": 57}
